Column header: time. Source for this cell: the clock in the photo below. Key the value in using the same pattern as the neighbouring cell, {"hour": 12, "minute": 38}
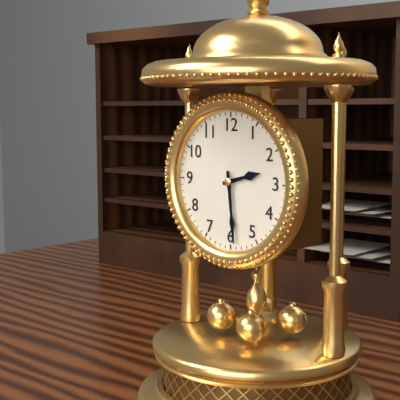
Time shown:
{"hour": 2, "minute": 29}
